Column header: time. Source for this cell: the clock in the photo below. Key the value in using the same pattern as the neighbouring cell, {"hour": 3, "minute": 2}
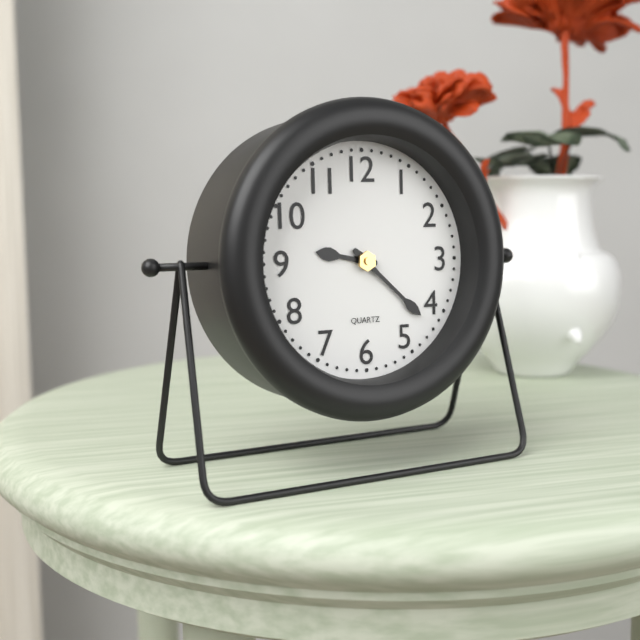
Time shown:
{"hour": 9, "minute": 22}
